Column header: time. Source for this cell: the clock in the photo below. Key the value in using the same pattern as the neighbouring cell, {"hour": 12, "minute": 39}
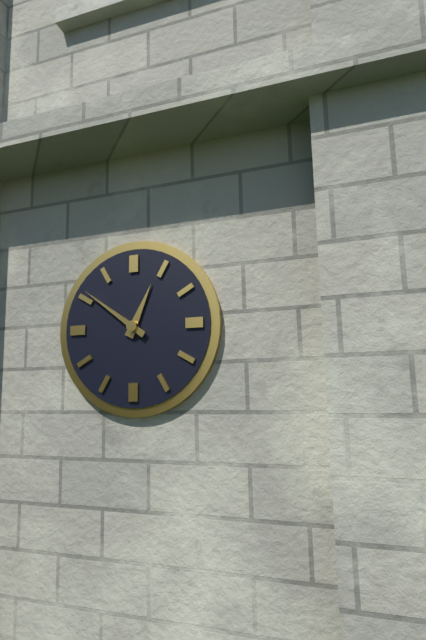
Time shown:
{"hour": 12, "minute": 51}
